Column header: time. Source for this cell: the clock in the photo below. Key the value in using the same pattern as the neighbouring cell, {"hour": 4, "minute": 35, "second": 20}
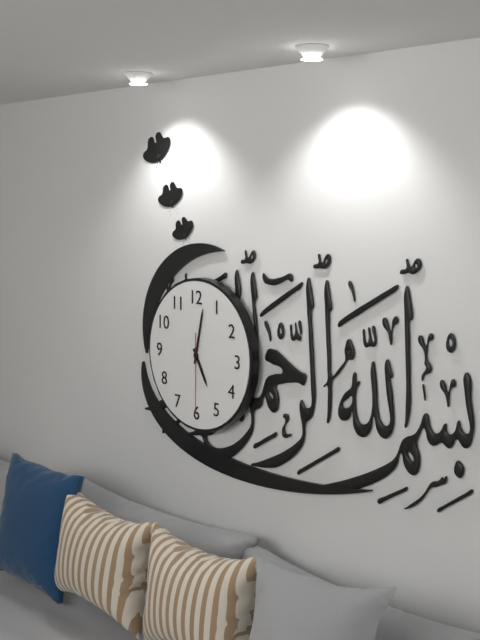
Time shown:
{"hour": 5, "minute": 2, "second": 30}
